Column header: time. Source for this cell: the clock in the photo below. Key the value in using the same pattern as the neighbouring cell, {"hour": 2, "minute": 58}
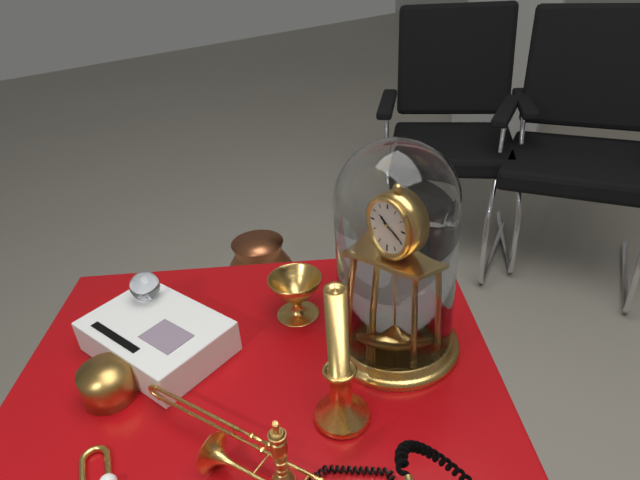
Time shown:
{"hour": 10, "minute": 19}
